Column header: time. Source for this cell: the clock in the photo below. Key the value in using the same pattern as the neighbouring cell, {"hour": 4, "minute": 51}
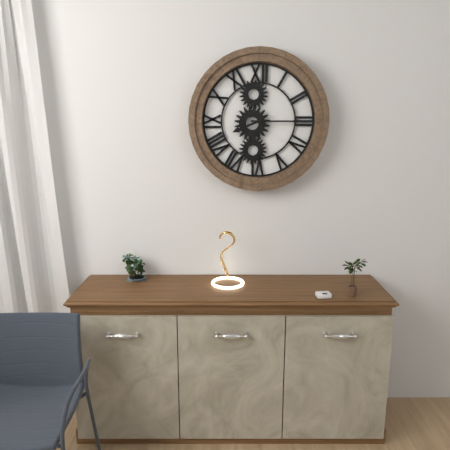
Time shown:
{"hour": 8, "minute": 15}
